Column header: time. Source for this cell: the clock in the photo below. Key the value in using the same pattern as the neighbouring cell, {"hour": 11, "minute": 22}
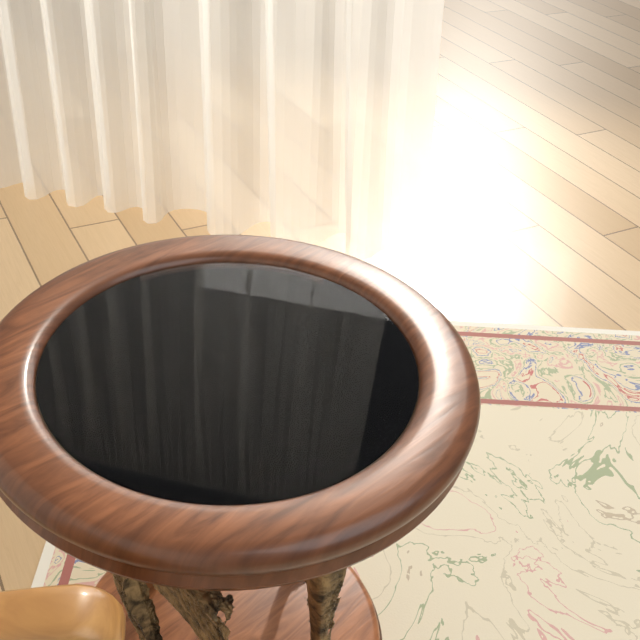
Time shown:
{"hour": 6, "minute": 36}
